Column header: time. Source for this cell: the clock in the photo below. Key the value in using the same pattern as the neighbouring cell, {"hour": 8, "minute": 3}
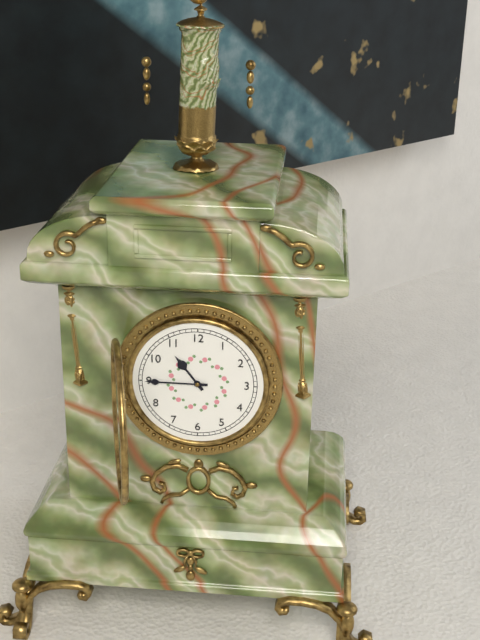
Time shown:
{"hour": 10, "minute": 45}
